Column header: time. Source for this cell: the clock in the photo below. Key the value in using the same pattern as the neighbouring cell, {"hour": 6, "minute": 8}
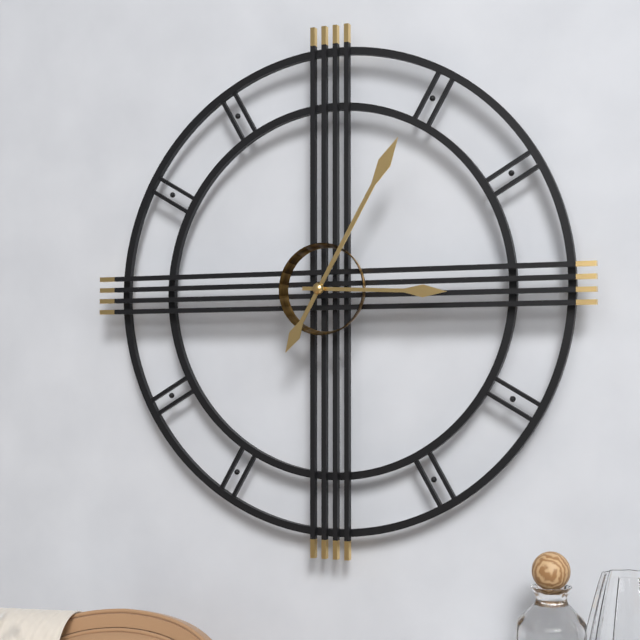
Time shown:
{"hour": 3, "minute": 5}
